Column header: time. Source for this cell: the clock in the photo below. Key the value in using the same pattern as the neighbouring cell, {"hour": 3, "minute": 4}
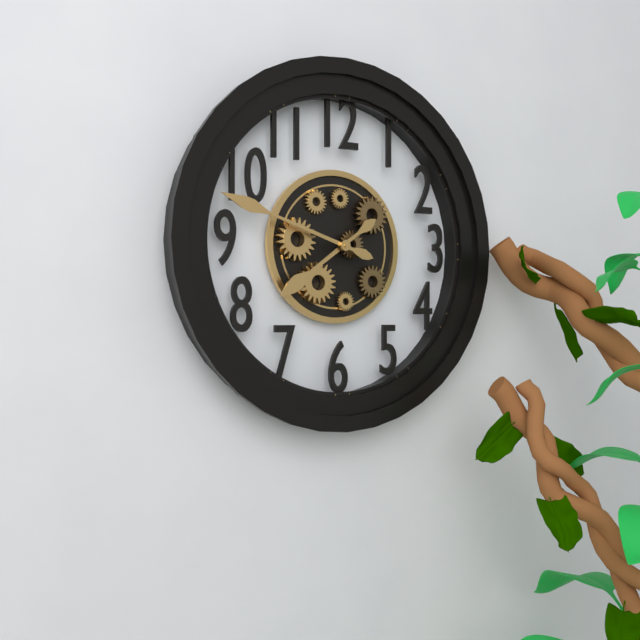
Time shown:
{"hour": 7, "minute": 48}
